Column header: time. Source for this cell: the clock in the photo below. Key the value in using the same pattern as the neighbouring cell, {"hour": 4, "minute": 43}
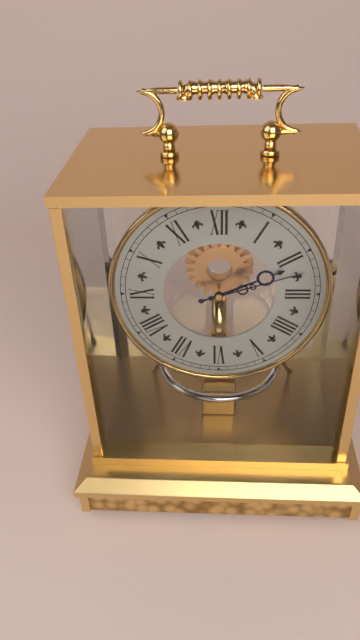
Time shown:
{"hour": 2, "minute": 12}
